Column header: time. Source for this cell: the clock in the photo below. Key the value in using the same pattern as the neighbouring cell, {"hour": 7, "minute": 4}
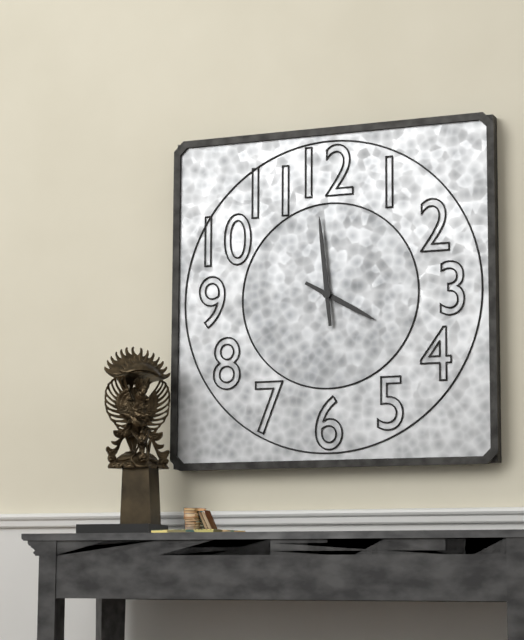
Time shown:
{"hour": 3, "minute": 59}
